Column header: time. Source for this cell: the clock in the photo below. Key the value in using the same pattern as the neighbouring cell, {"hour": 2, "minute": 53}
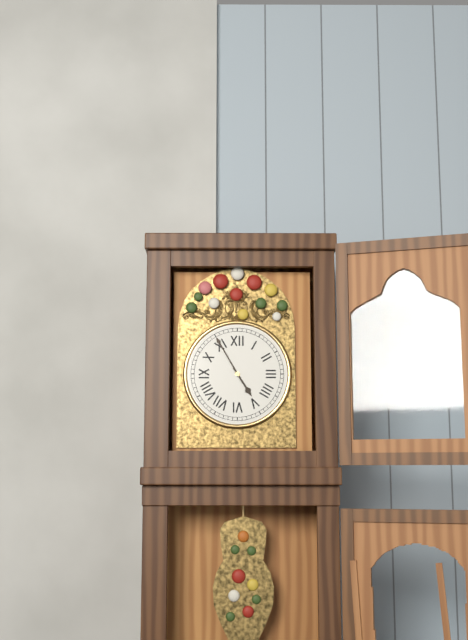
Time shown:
{"hour": 4, "minute": 55}
